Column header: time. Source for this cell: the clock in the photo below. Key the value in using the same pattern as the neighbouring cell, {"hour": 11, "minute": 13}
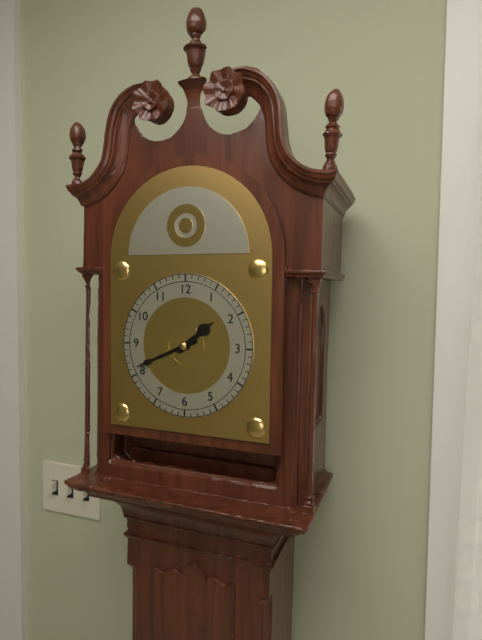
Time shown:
{"hour": 1, "minute": 41}
